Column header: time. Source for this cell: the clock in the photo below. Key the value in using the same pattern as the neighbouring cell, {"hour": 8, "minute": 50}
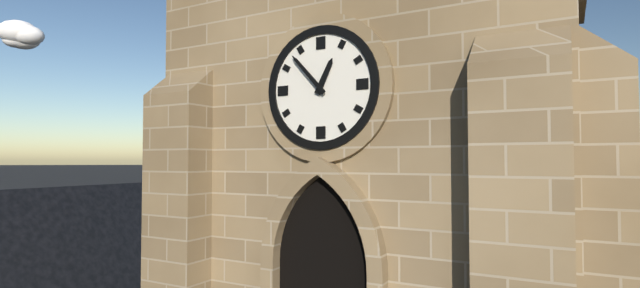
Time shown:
{"hour": 12, "minute": 53}
